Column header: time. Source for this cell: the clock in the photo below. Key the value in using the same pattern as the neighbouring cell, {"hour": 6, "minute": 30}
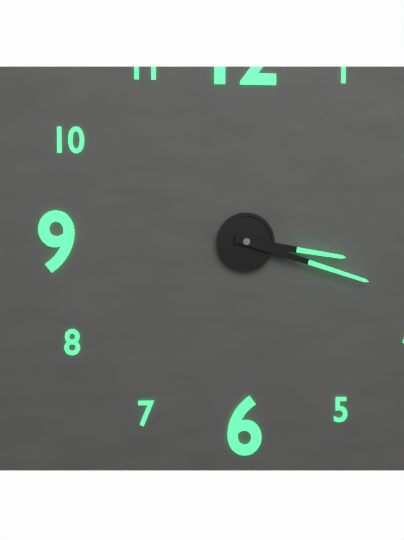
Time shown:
{"hour": 3, "minute": 18}
